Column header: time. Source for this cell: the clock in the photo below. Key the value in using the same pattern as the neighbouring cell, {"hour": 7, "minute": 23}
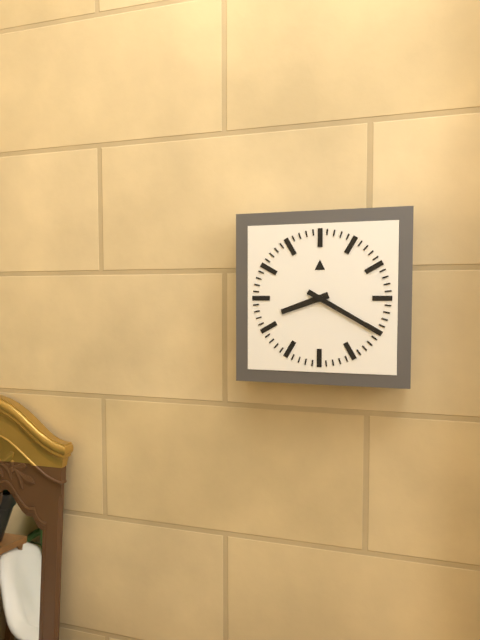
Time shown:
{"hour": 8, "minute": 20}
